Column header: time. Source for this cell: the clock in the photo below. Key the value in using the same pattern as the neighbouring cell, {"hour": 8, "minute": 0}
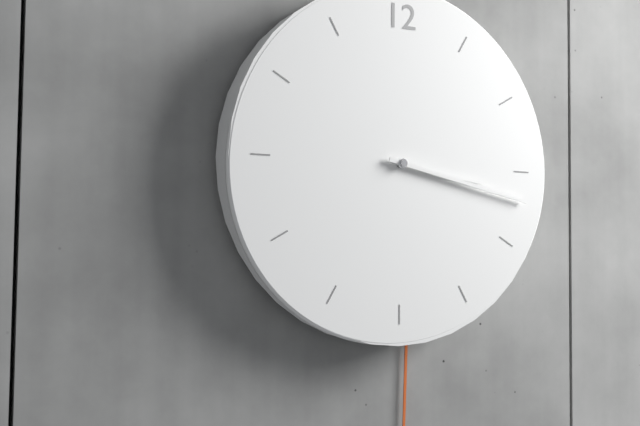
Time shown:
{"hour": 3, "minute": 17}
